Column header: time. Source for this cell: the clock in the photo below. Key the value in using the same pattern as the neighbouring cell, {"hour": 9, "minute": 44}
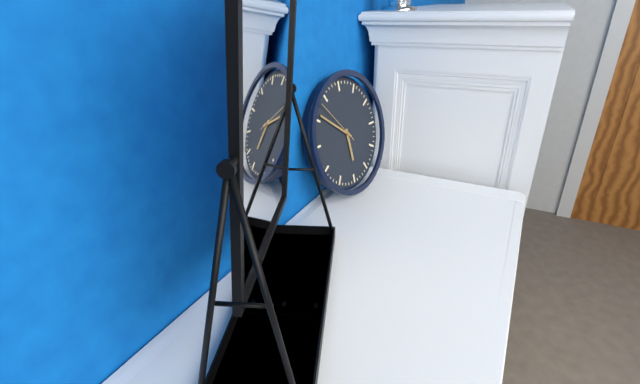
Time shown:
{"hour": 5, "minute": 51}
